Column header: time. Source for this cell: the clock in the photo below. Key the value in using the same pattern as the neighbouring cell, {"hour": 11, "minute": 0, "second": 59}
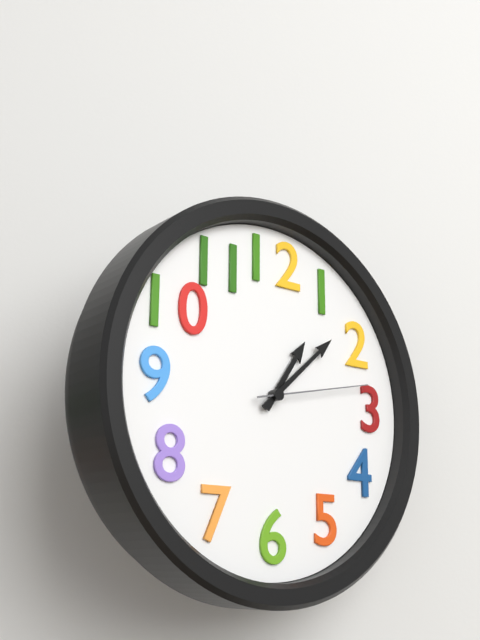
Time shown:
{"hour": 1, "minute": 8, "second": 13}
